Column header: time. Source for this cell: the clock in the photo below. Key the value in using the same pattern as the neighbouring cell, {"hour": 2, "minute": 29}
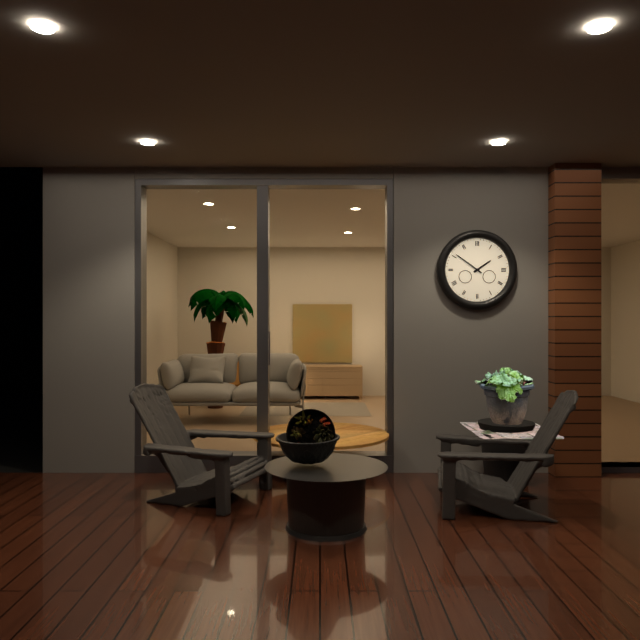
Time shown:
{"hour": 1, "minute": 51}
